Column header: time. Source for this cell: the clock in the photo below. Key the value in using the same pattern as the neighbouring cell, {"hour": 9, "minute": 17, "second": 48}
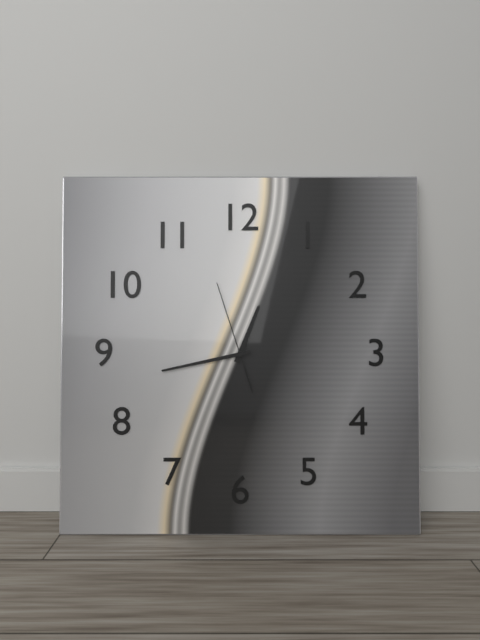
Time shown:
{"hour": 12, "minute": 43, "second": 57}
